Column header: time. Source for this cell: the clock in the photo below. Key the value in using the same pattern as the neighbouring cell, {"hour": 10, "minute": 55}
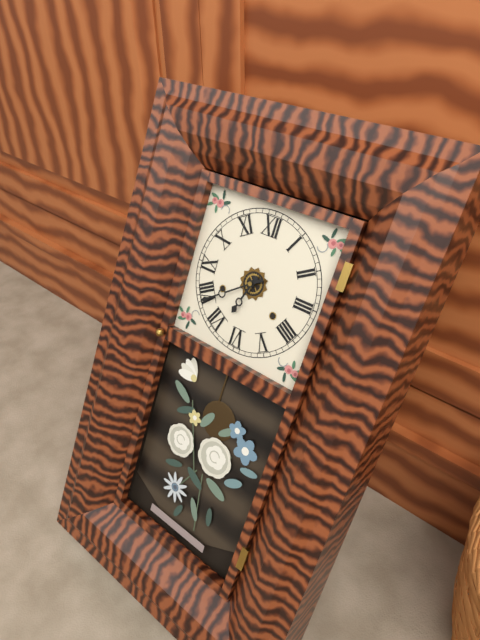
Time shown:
{"hour": 6, "minute": 39}
